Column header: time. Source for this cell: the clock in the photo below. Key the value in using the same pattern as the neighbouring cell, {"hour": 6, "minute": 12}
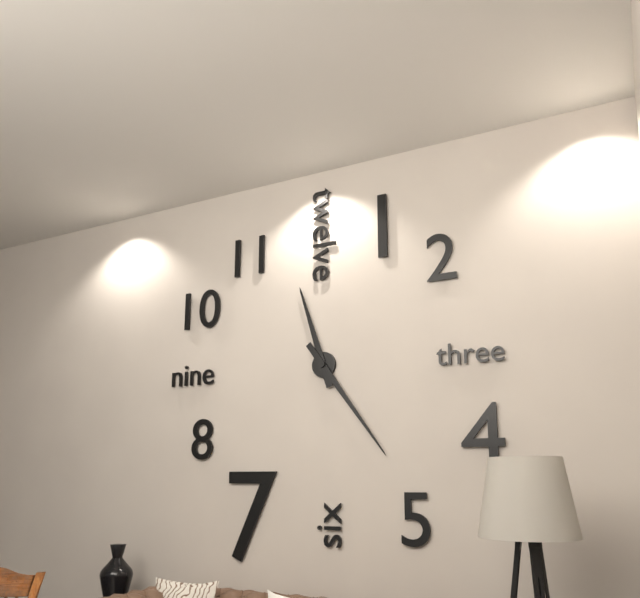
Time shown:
{"hour": 11, "minute": 24}
